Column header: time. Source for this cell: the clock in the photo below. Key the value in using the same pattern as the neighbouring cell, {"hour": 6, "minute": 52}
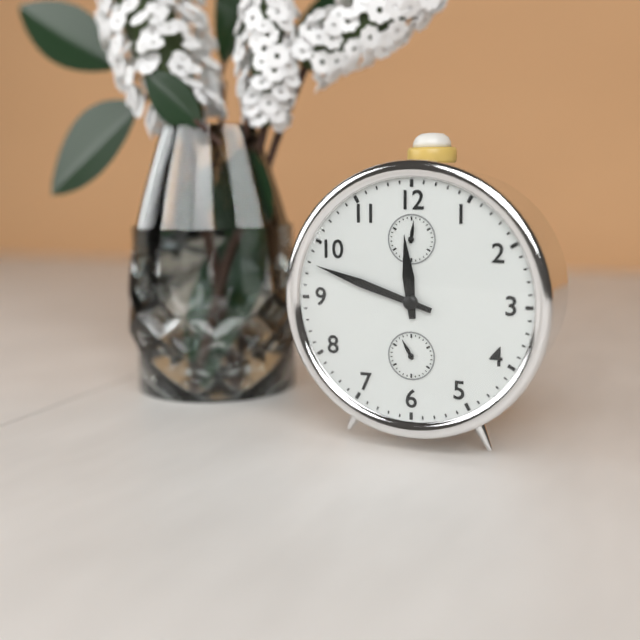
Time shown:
{"hour": 11, "minute": 48}
